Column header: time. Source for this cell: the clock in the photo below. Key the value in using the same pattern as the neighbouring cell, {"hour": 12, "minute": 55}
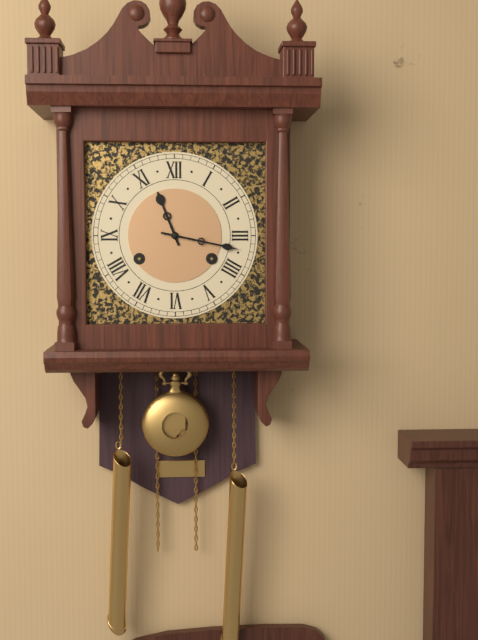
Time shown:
{"hour": 11, "minute": 17}
